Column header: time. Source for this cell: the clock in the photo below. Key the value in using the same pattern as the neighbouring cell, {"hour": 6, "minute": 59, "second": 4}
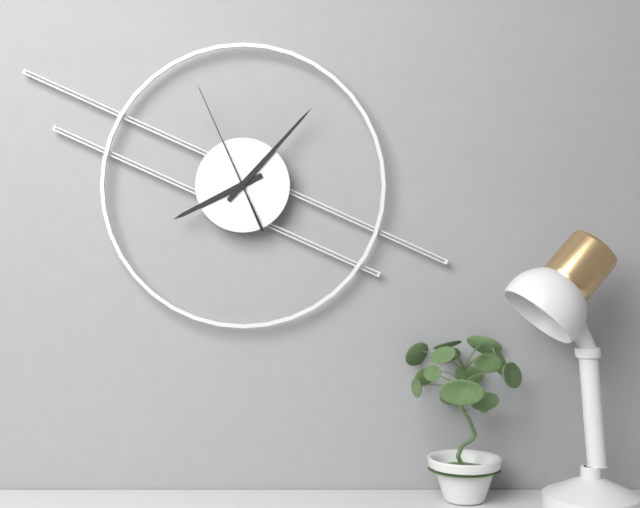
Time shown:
{"hour": 8, "minute": 7, "second": 56}
